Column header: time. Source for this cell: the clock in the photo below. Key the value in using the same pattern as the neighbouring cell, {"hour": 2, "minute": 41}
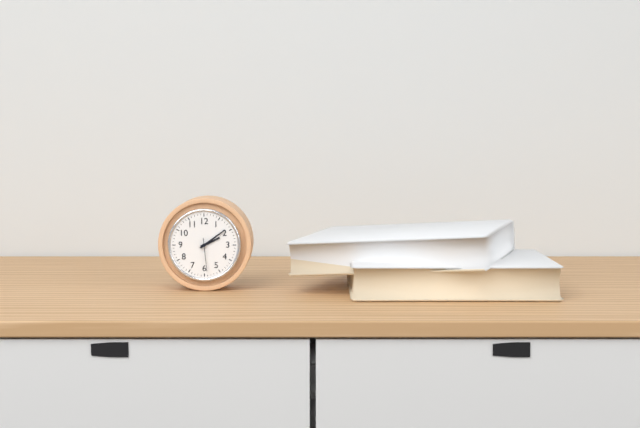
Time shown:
{"hour": 2, "minute": 9}
